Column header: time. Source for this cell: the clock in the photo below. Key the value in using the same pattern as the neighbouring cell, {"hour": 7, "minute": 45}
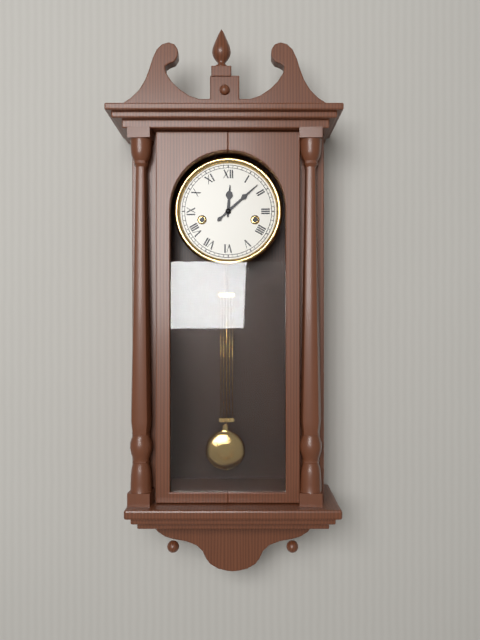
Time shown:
{"hour": 12, "minute": 8}
